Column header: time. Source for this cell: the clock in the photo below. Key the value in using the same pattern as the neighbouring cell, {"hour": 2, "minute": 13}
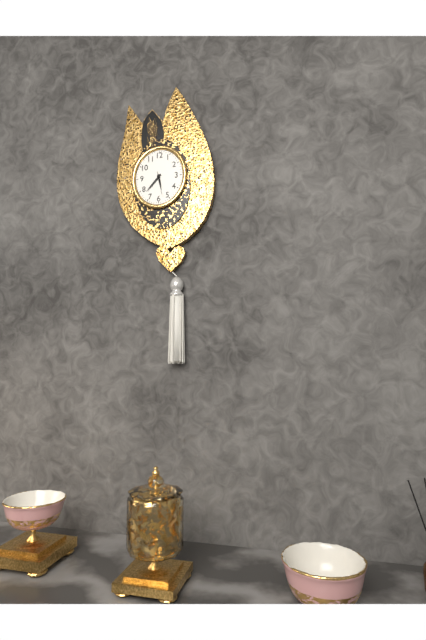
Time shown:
{"hour": 5, "minute": 37}
